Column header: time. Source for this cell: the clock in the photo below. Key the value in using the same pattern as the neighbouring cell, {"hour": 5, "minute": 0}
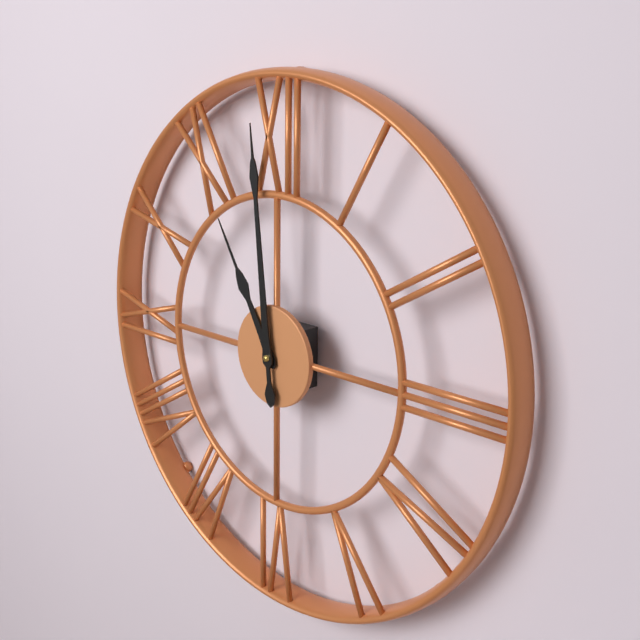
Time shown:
{"hour": 10, "minute": 59}
